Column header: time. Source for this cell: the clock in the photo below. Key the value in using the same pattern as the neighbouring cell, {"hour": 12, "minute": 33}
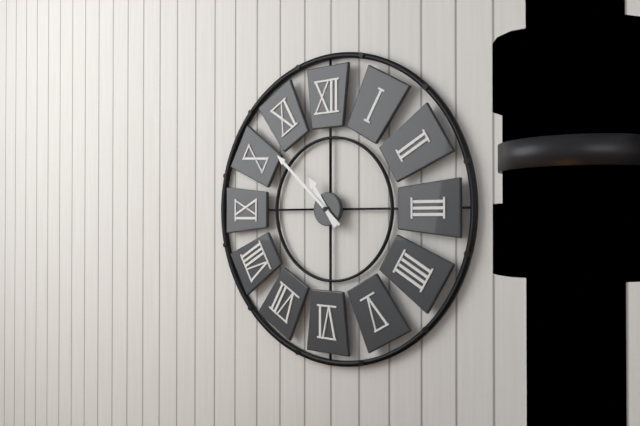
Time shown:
{"hour": 10, "minute": 52}
